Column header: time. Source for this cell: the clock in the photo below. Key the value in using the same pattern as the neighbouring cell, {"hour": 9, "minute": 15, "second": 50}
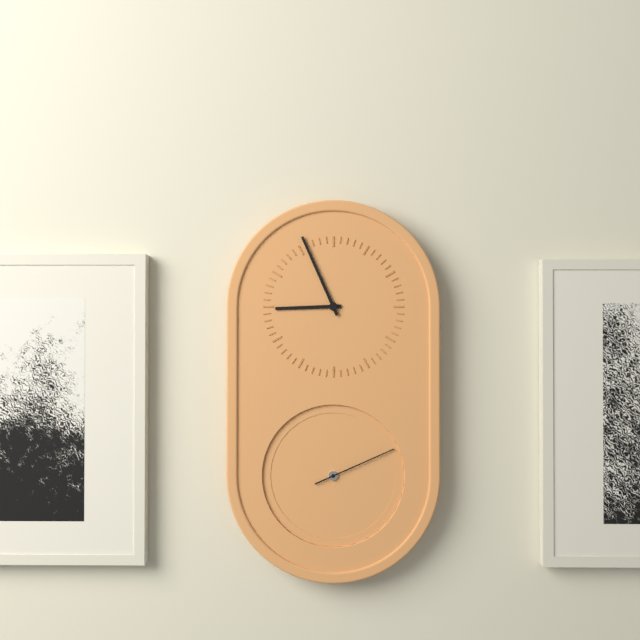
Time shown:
{"hour": 8, "minute": 56, "second": 11}
